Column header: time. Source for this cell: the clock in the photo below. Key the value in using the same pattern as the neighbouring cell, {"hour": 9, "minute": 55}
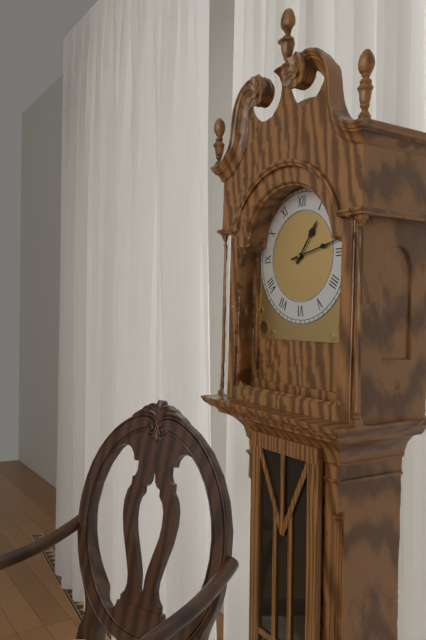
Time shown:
{"hour": 1, "minute": 13}
